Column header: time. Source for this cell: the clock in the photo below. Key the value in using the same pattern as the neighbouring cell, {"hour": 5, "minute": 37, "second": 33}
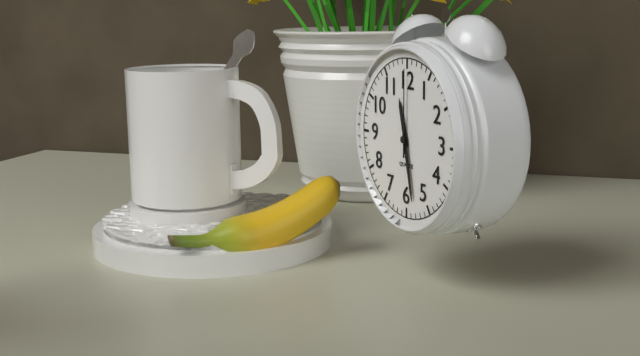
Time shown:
{"hour": 11, "minute": 28, "second": 0}
